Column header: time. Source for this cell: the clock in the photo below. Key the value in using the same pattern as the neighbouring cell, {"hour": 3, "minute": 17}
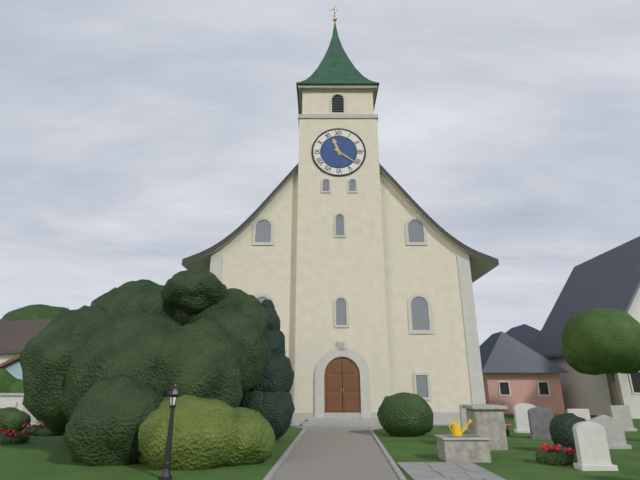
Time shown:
{"hour": 11, "minute": 21}
